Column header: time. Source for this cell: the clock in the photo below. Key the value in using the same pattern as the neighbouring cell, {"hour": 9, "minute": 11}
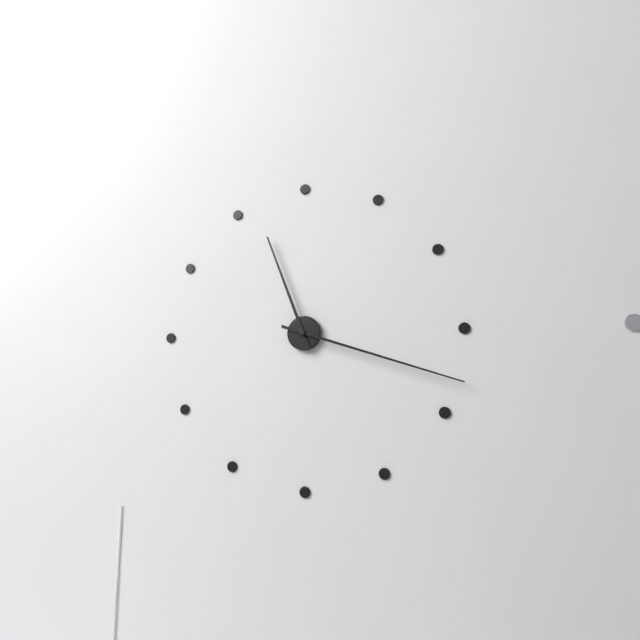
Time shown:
{"hour": 11, "minute": 18}
